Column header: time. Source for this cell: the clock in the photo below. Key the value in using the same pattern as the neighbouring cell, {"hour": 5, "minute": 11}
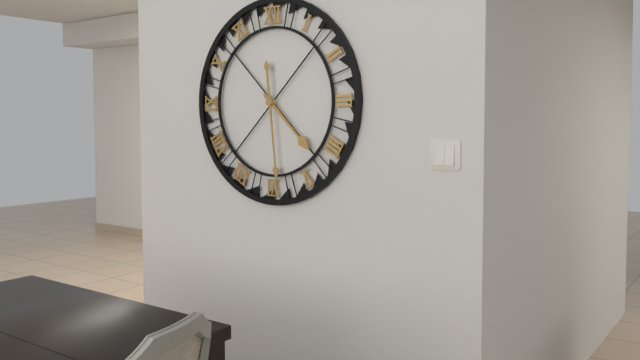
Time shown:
{"hour": 4, "minute": 29}
